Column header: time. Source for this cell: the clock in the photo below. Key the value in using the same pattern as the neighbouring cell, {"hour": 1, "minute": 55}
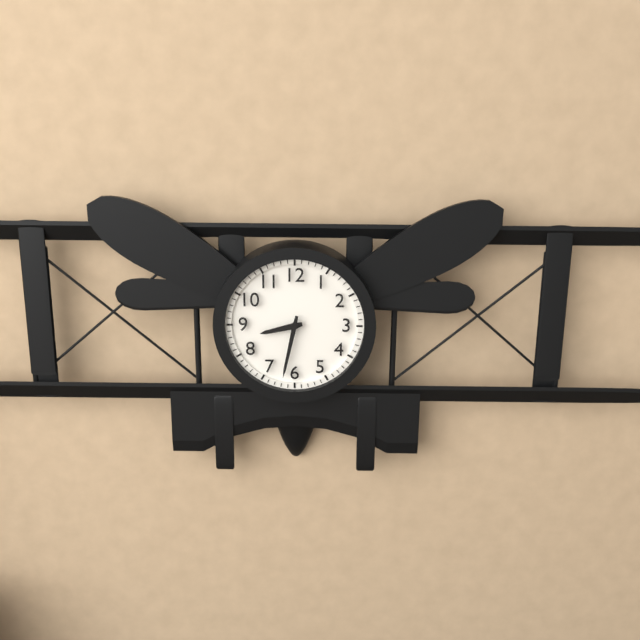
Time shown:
{"hour": 8, "minute": 32}
